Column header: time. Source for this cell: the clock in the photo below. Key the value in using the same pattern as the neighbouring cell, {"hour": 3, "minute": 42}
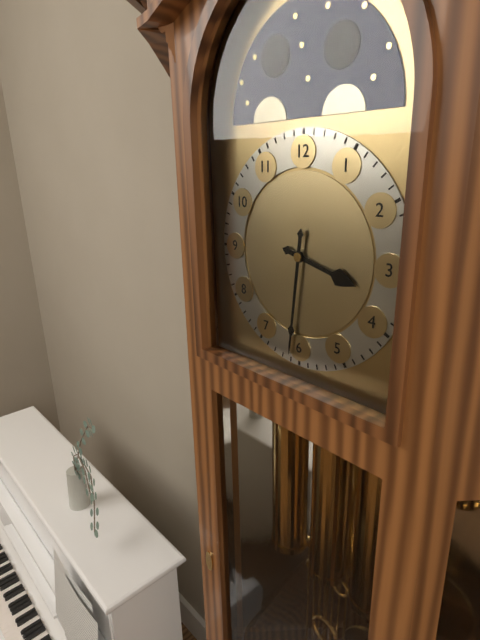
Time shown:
{"hour": 3, "minute": 31}
